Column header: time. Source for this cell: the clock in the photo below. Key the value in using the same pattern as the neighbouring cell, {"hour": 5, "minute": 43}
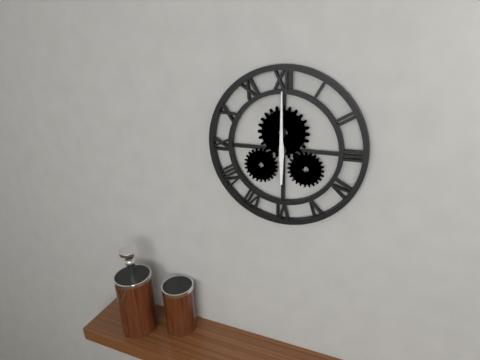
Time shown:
{"hour": 6, "minute": 0}
